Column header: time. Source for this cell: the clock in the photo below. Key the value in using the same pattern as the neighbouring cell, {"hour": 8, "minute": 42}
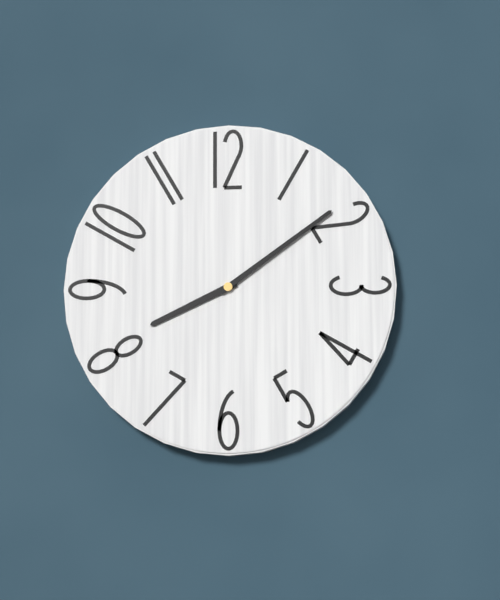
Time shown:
{"hour": 8, "minute": 9}
